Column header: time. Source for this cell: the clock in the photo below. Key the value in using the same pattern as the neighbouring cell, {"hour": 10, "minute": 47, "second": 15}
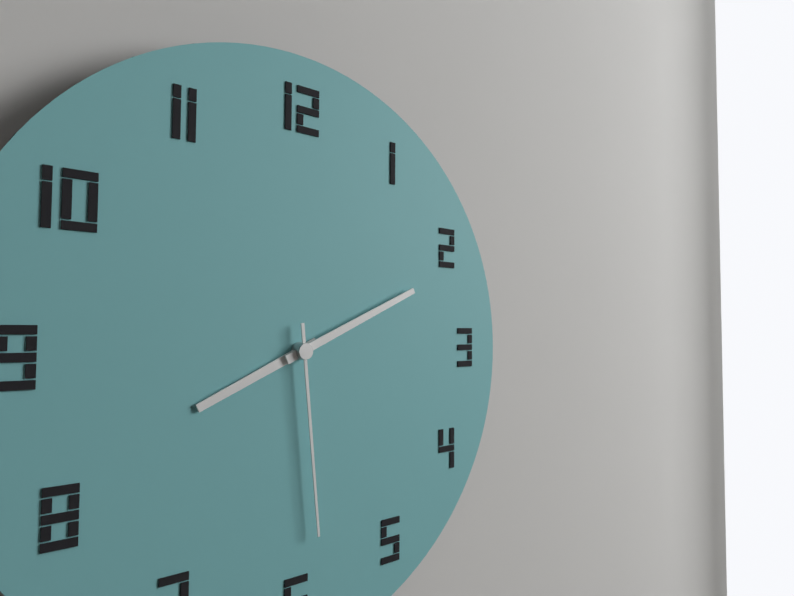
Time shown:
{"hour": 8, "minute": 11, "second": 29}
